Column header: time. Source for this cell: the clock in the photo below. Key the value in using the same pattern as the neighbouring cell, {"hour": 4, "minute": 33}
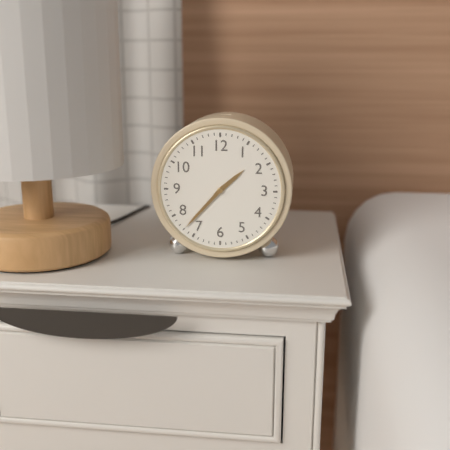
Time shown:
{"hour": 1, "minute": 37}
